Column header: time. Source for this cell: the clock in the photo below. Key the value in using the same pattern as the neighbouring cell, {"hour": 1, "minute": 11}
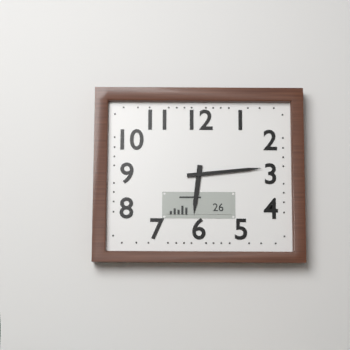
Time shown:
{"hour": 6, "minute": 14}
